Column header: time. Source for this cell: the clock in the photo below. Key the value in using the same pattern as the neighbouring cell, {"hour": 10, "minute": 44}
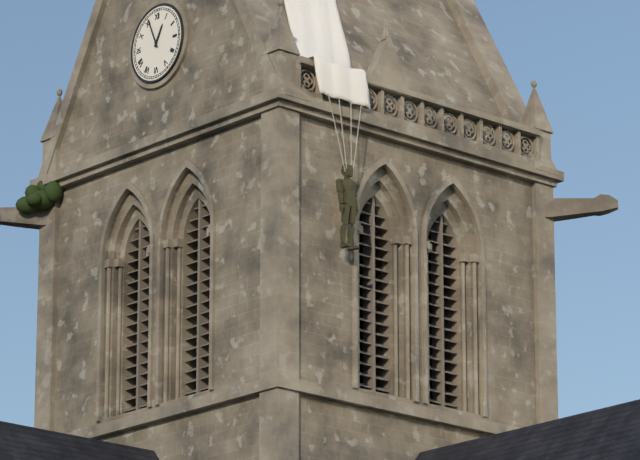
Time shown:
{"hour": 12, "minute": 56}
